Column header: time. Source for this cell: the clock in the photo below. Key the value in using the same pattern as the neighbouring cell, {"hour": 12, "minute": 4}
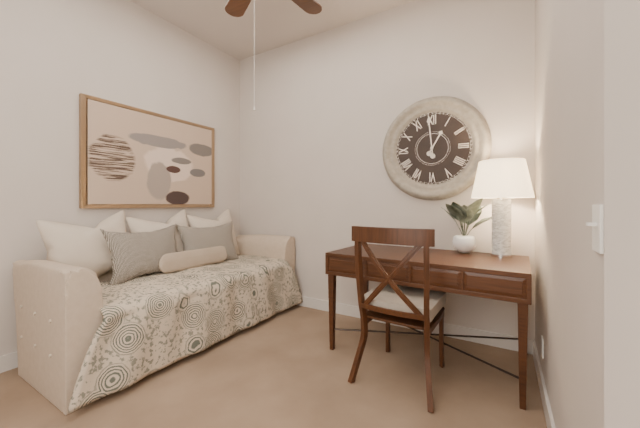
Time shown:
{"hour": 12, "minute": 59}
